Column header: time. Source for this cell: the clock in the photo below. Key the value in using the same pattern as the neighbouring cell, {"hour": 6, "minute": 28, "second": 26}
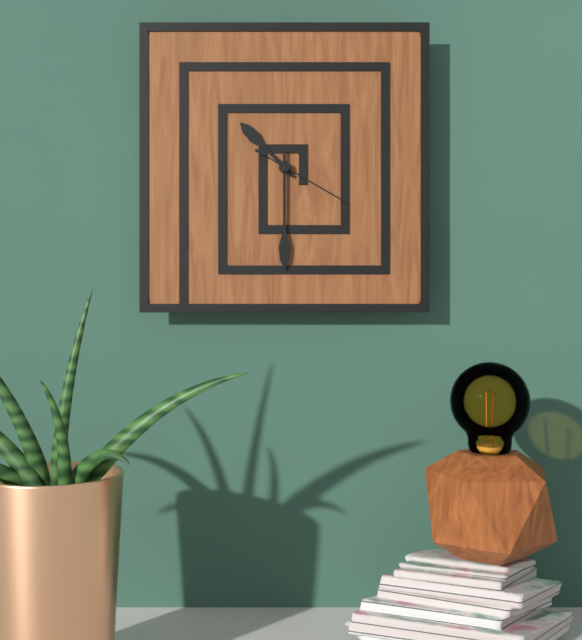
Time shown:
{"hour": 10, "minute": 30, "second": 20}
